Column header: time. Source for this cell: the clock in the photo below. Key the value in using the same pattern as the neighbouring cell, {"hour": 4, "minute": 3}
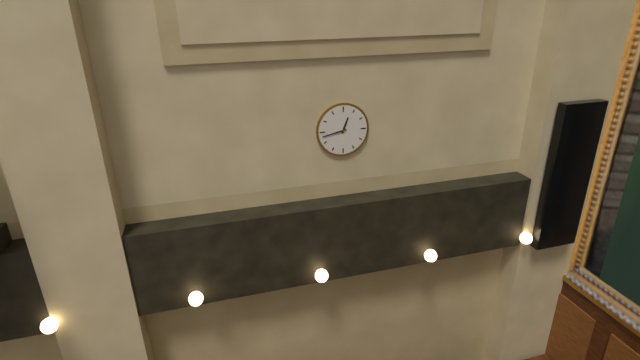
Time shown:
{"hour": 12, "minute": 43}
